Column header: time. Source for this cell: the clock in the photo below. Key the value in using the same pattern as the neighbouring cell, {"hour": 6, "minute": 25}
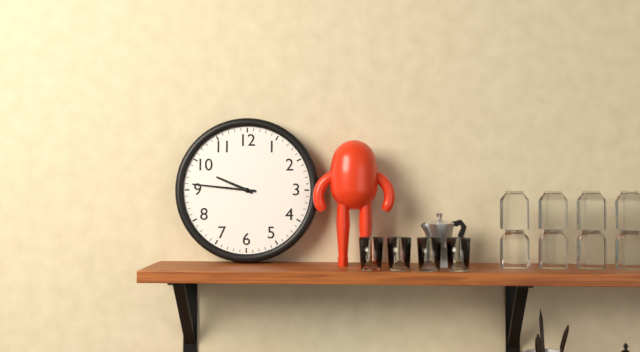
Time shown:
{"hour": 9, "minute": 46}
